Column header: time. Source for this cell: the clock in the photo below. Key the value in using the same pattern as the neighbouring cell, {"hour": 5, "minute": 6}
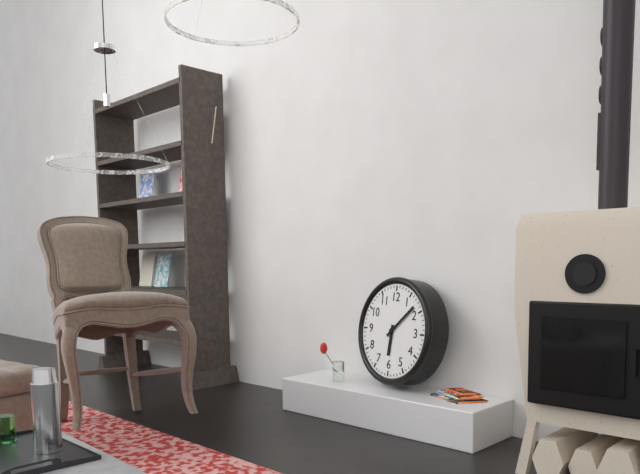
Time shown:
{"hour": 6, "minute": 8}
